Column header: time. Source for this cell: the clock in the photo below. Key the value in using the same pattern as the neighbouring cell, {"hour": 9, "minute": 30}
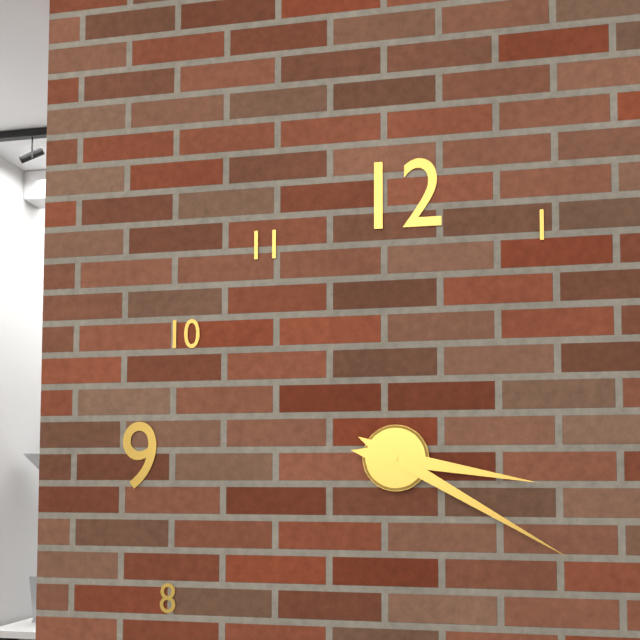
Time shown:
{"hour": 3, "minute": 20}
